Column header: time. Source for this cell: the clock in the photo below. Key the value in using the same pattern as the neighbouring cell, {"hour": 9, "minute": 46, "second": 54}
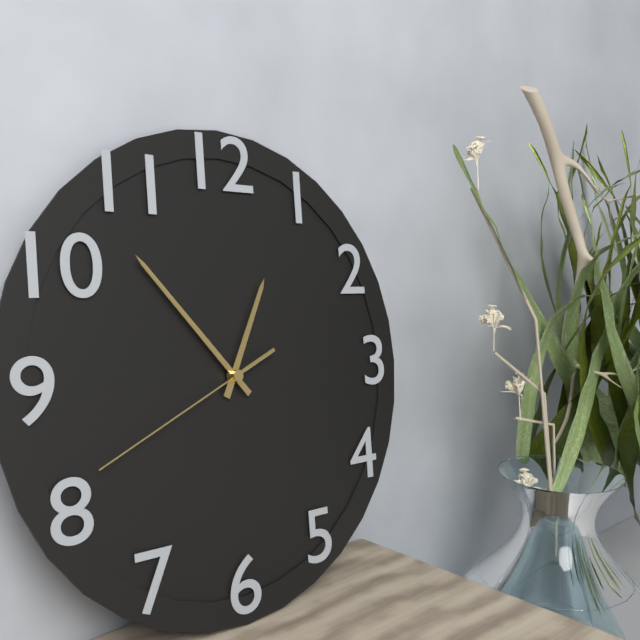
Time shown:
{"hour": 12, "minute": 53, "second": 41}
